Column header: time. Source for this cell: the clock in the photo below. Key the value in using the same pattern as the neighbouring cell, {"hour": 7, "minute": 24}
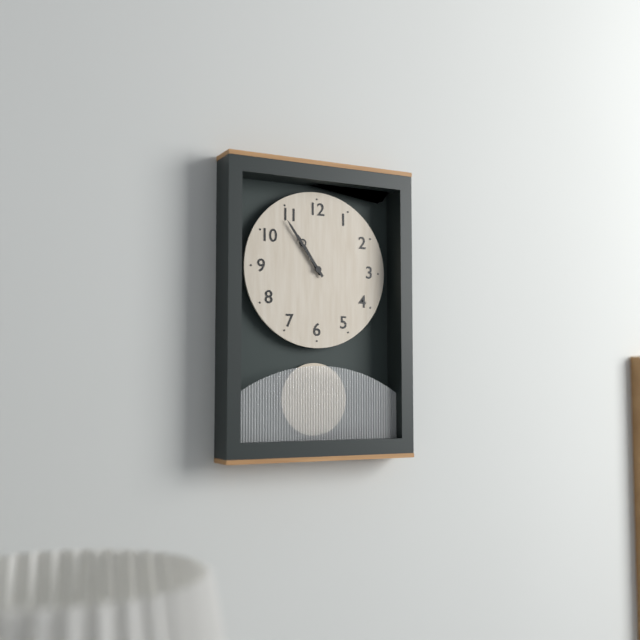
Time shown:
{"hour": 10, "minute": 54}
